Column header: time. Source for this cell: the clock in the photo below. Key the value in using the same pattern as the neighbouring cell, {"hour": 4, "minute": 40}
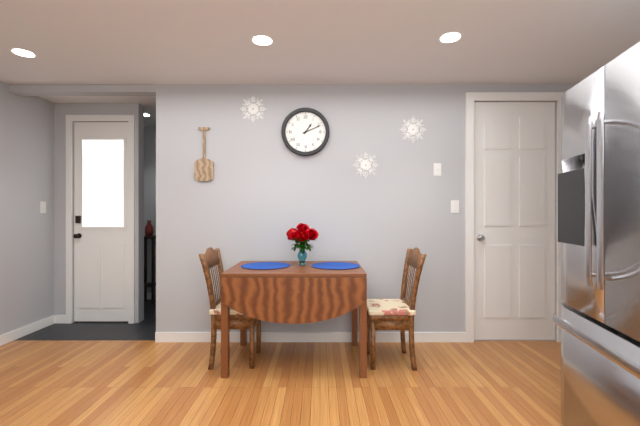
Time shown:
{"hour": 1, "minute": 11}
